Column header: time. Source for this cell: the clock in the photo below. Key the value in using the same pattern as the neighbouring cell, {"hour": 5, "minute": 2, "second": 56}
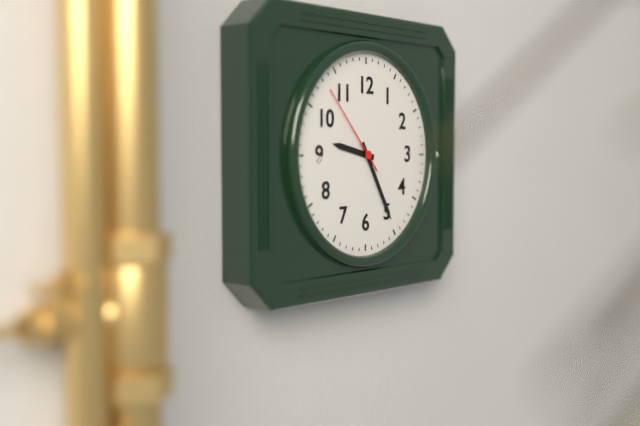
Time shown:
{"hour": 9, "minute": 25, "second": 53}
